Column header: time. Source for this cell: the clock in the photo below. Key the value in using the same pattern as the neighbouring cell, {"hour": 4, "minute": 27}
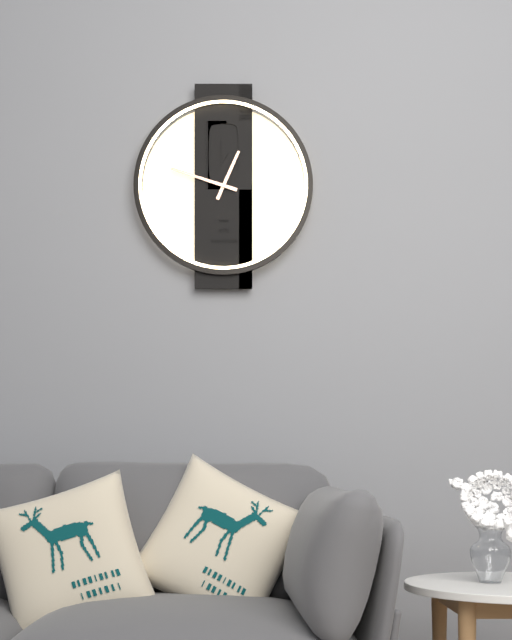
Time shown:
{"hour": 12, "minute": 48}
